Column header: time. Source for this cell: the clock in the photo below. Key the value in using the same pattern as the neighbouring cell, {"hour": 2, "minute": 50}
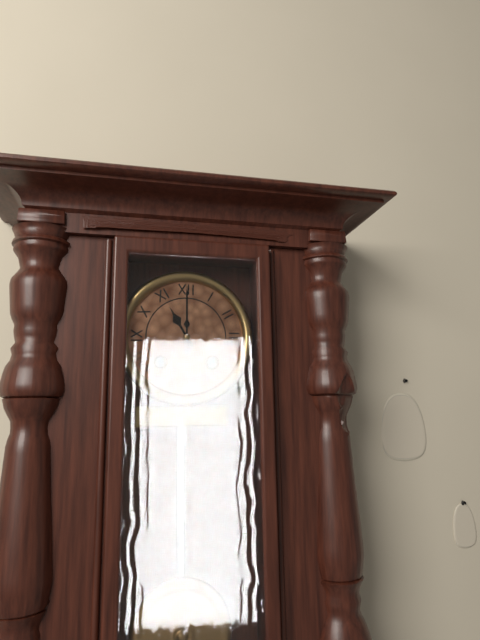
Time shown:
{"hour": 11, "minute": 0}
